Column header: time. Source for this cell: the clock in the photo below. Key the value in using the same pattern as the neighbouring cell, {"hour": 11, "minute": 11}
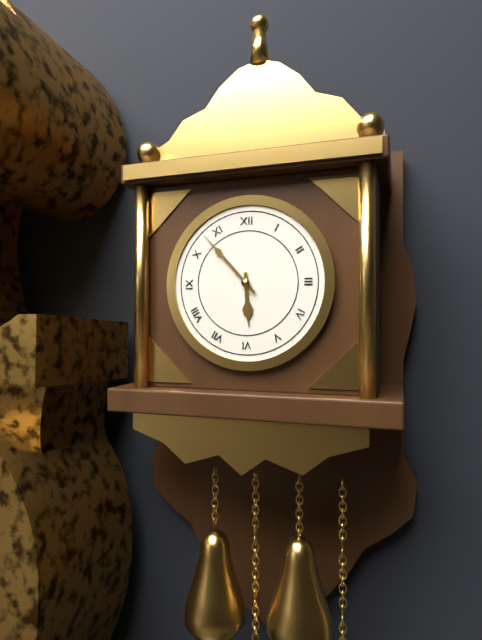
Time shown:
{"hour": 5, "minute": 53}
